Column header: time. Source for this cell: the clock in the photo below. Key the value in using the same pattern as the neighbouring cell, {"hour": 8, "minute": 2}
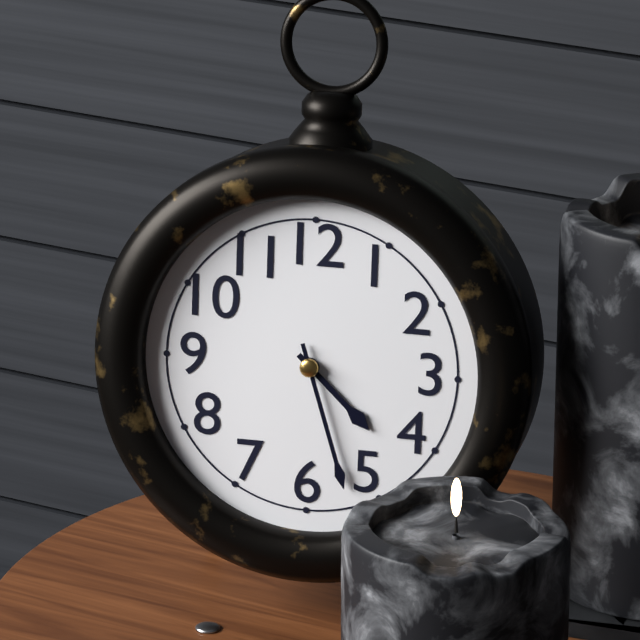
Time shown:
{"hour": 4, "minute": 27}
